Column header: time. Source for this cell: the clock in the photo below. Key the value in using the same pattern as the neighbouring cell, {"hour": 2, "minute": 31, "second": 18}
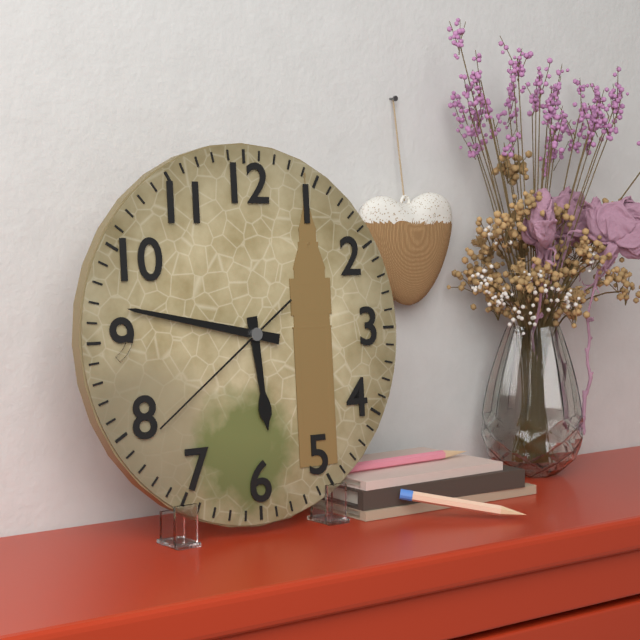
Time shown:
{"hour": 5, "minute": 47, "second": 39}
